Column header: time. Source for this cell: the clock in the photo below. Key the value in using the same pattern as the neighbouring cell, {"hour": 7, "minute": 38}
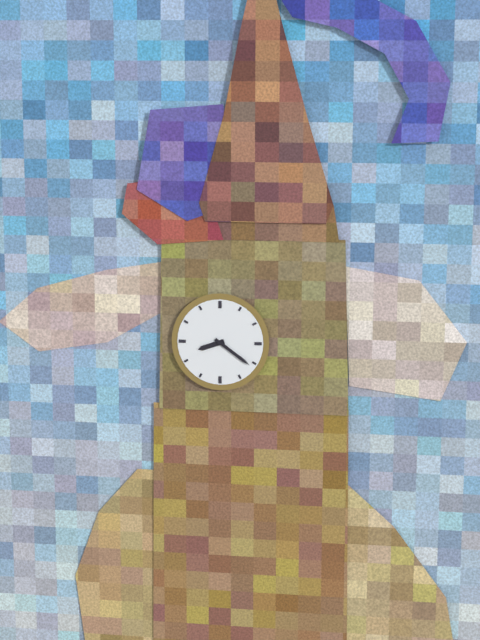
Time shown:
{"hour": 8, "minute": 21}
